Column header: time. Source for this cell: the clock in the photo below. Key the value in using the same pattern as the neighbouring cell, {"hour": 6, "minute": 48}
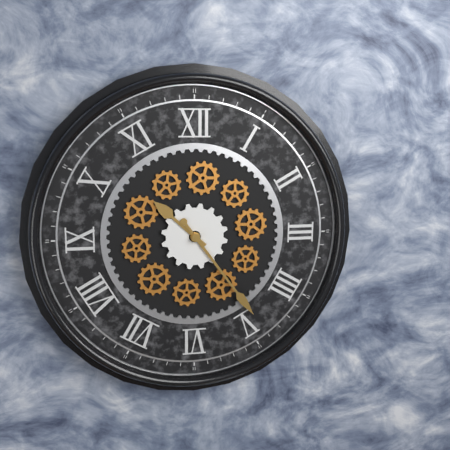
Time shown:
{"hour": 10, "minute": 24}
